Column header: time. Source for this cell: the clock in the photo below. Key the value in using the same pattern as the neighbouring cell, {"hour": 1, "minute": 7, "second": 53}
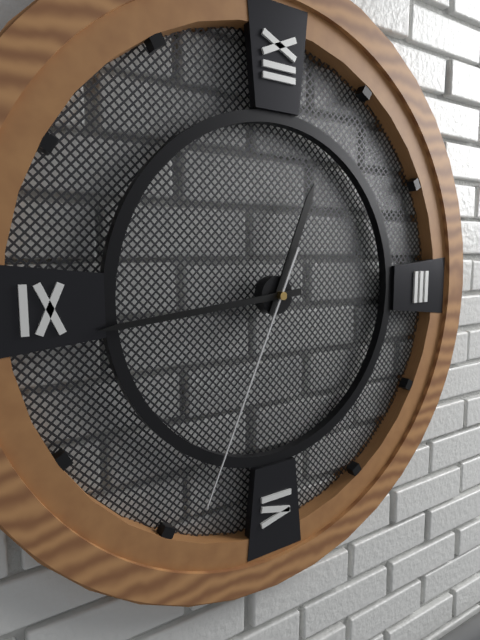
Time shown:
{"hour": 12, "minute": 44, "second": 34}
